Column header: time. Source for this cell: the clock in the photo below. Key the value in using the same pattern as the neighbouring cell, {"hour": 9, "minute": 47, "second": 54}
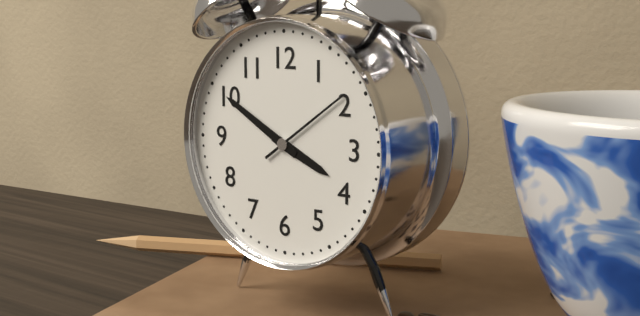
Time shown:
{"hour": 3, "minute": 50, "second": 9}
